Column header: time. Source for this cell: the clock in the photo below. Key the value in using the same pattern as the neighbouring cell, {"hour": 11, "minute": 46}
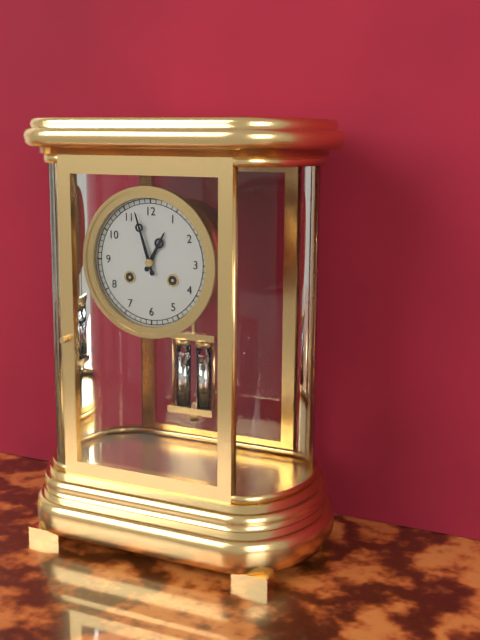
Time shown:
{"hour": 12, "minute": 57}
